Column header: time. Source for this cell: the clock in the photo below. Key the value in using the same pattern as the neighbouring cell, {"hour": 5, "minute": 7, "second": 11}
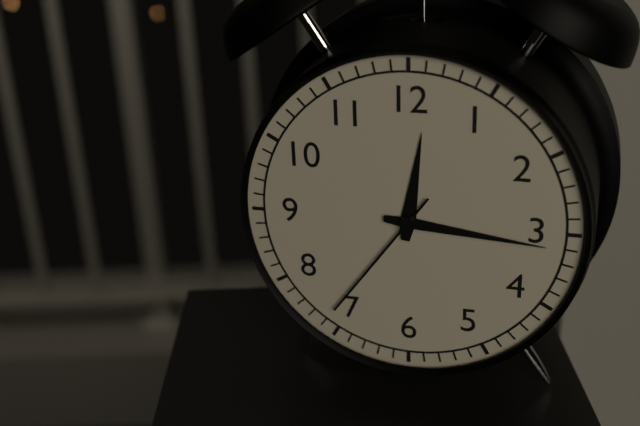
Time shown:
{"hour": 12, "minute": 16, "second": 36}
